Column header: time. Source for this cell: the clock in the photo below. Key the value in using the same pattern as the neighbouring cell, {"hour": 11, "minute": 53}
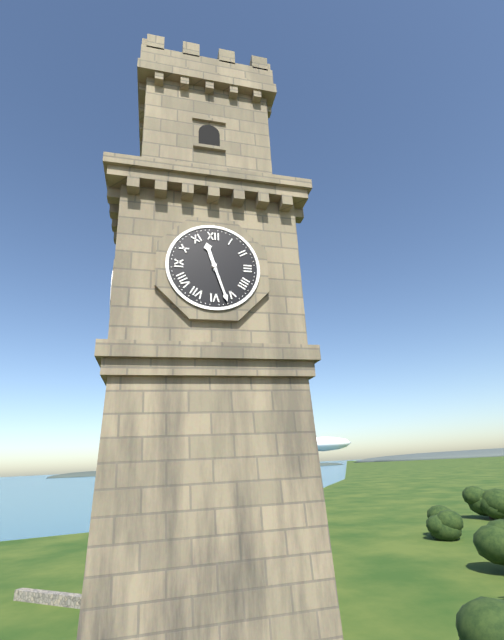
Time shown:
{"hour": 11, "minute": 27}
